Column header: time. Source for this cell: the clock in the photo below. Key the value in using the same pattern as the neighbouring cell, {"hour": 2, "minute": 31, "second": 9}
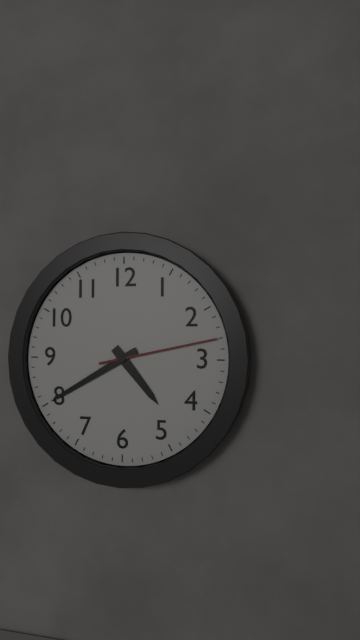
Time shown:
{"hour": 4, "minute": 40, "second": 13}
